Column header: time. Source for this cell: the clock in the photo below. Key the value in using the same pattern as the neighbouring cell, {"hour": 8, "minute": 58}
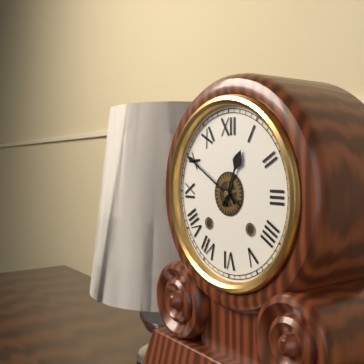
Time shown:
{"hour": 12, "minute": 50}
